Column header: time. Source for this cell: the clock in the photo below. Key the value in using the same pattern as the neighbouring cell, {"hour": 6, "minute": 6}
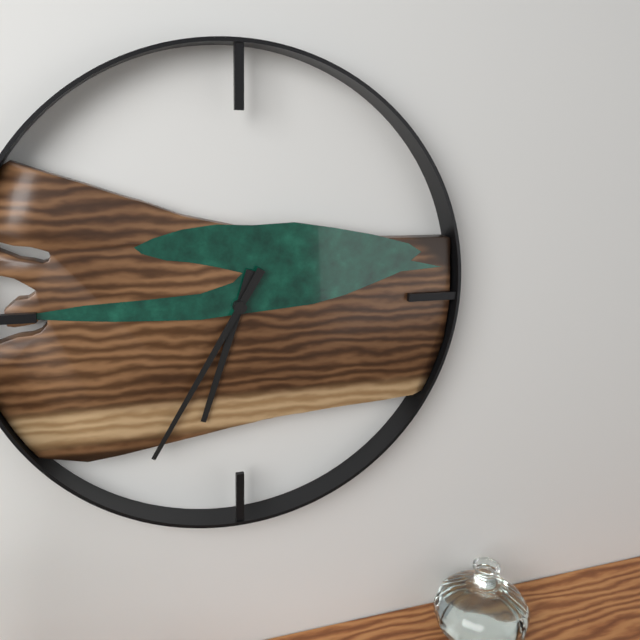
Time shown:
{"hour": 6, "minute": 35}
